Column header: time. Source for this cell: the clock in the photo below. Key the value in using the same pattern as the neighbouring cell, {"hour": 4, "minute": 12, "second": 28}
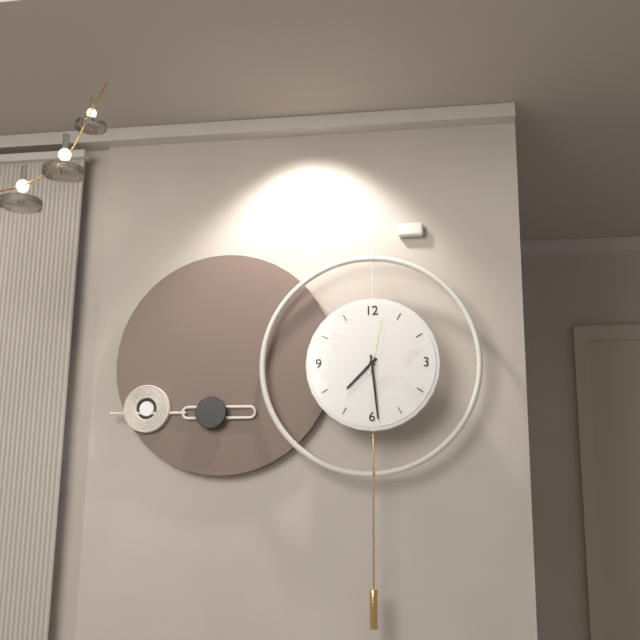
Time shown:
{"hour": 7, "minute": 29, "second": 2}
